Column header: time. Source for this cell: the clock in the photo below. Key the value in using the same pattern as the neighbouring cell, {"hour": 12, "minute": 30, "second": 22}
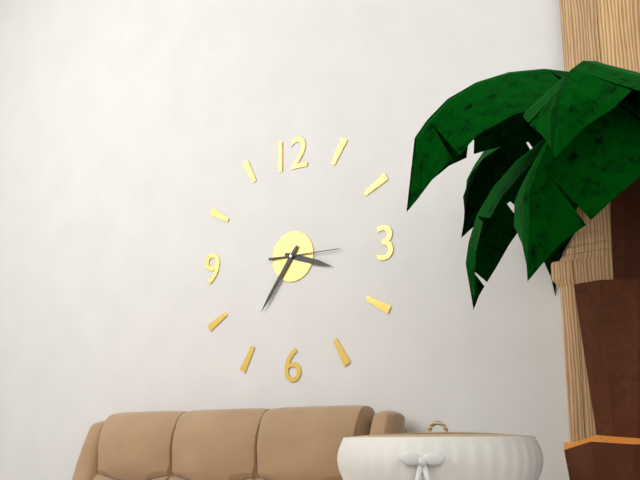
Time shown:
{"hour": 3, "minute": 36, "second": 15}
